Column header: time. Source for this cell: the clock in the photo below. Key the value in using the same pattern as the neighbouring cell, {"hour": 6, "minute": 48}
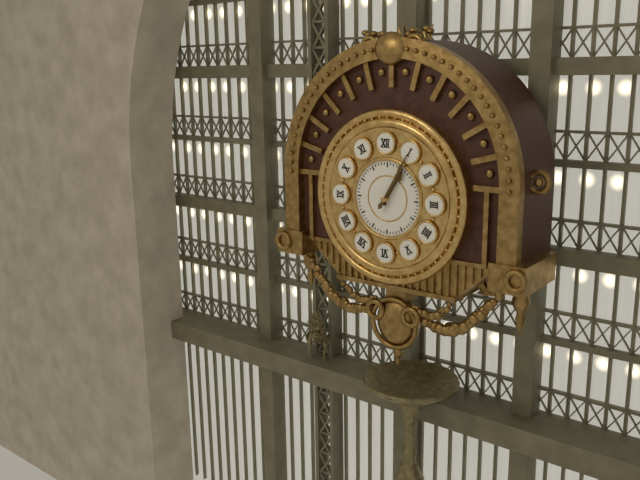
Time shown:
{"hour": 1, "minute": 5}
